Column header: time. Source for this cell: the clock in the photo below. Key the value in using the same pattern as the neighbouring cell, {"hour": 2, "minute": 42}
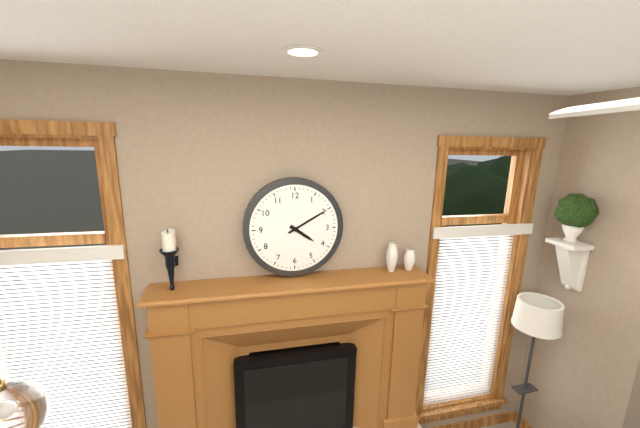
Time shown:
{"hour": 4, "minute": 10}
